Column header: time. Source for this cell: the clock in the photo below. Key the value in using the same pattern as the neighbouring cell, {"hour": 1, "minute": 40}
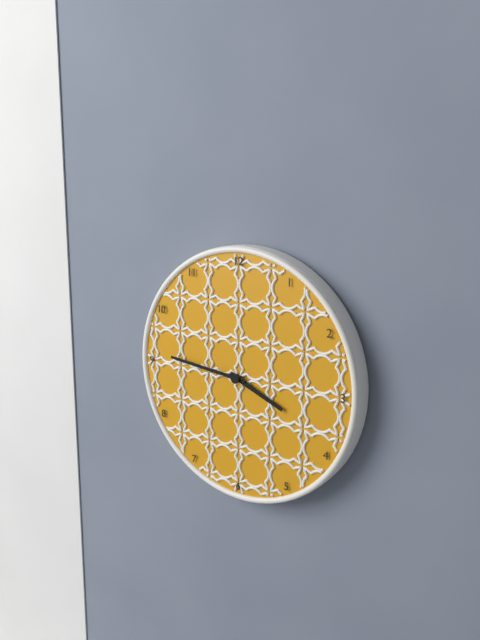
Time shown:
{"hour": 3, "minute": 46}
